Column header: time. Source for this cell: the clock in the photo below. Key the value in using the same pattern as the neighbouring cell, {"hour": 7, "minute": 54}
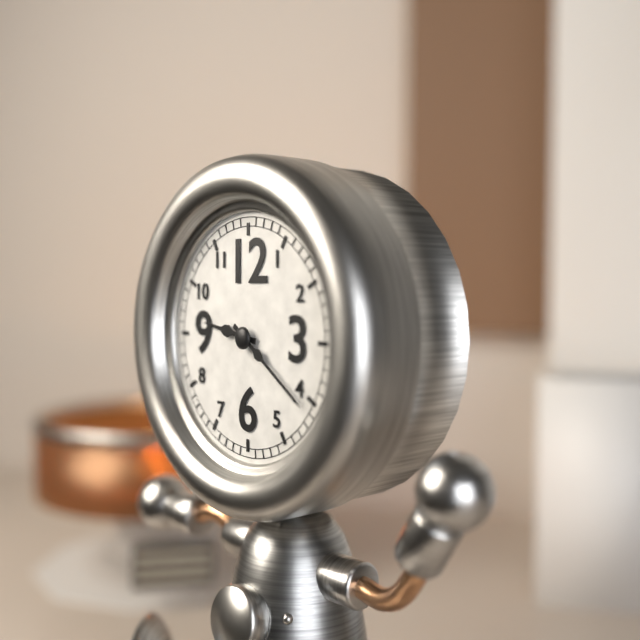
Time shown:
{"hour": 9, "minute": 21}
